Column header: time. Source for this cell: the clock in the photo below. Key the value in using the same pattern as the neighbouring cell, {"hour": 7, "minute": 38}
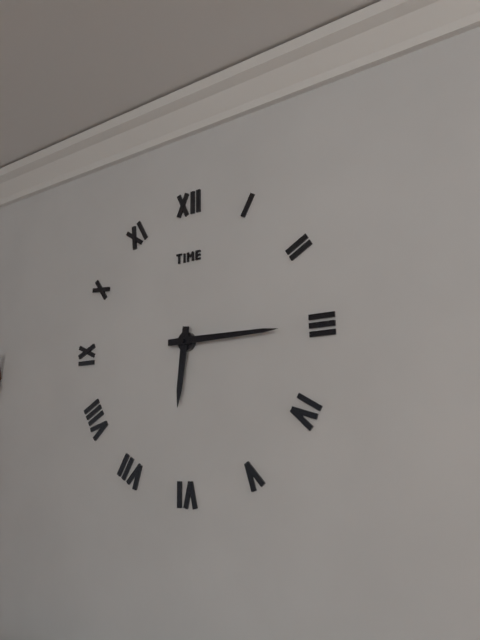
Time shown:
{"hour": 6, "minute": 15}
